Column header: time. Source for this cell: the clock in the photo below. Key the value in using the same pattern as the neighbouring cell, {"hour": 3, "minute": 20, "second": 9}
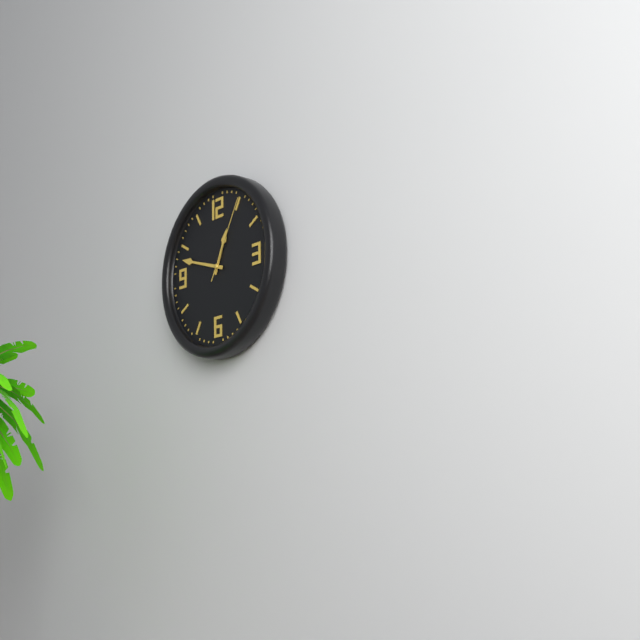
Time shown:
{"hour": 12, "minute": 48, "second": 5}
